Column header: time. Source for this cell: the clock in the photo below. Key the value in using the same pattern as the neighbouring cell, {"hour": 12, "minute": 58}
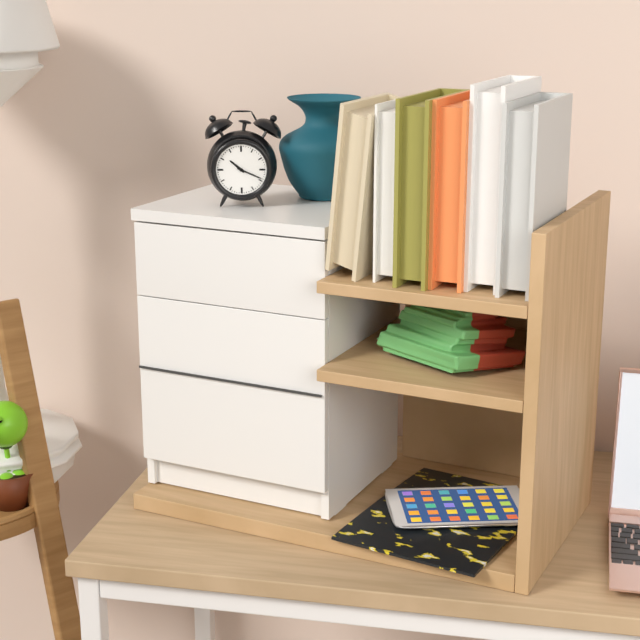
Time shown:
{"hour": 10, "minute": 19}
